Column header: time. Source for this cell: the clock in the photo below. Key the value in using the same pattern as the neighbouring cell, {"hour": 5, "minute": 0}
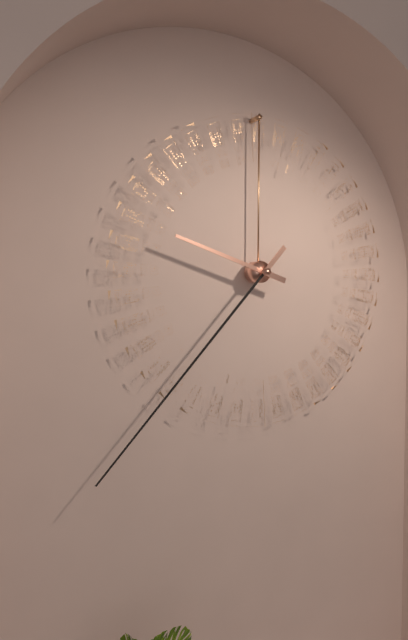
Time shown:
{"hour": 9, "minute": 37}
